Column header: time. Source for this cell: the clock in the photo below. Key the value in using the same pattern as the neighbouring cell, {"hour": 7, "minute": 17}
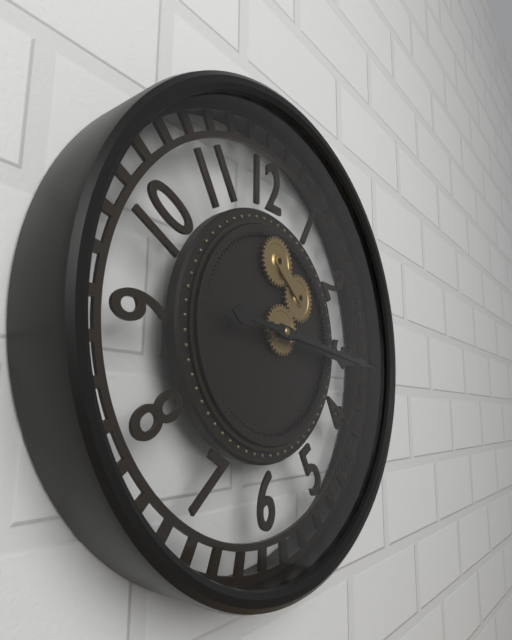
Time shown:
{"hour": 3, "minute": 16}
